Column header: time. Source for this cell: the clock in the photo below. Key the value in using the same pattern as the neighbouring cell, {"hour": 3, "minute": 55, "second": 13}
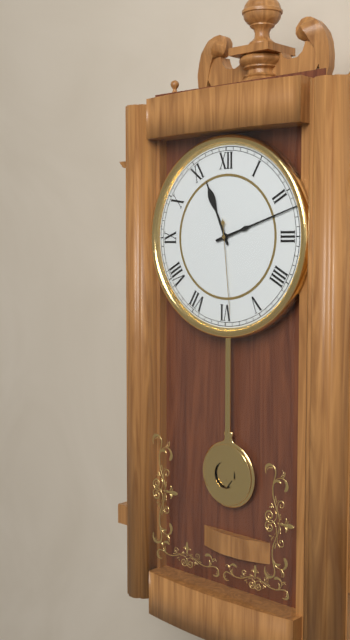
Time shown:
{"hour": 11, "minute": 12, "second": 29}
